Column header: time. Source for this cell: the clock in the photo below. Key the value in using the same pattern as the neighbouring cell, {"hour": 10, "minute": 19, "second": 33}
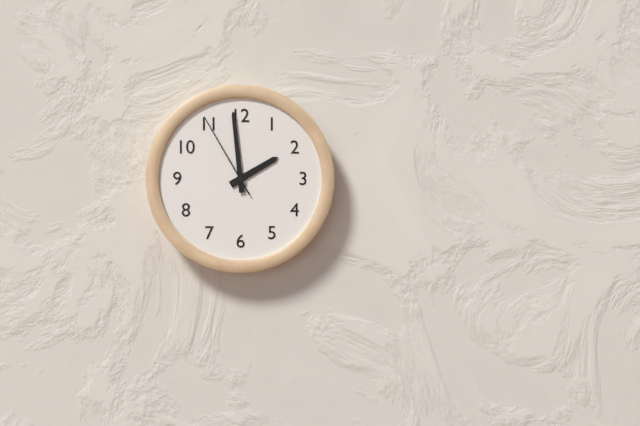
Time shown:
{"hour": 1, "minute": 59, "second": 55}
